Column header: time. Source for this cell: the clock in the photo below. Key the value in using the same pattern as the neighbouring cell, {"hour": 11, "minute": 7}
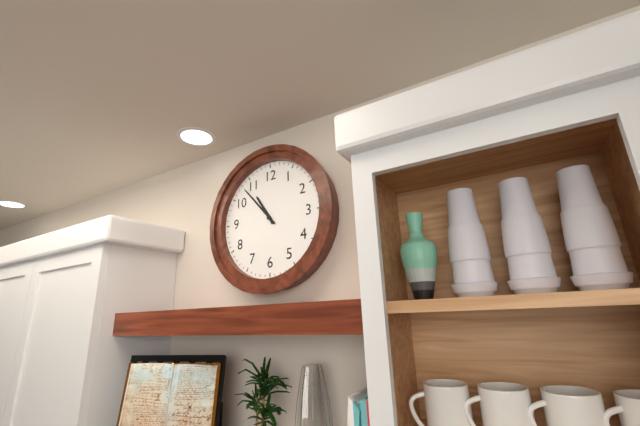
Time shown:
{"hour": 10, "minute": 53}
